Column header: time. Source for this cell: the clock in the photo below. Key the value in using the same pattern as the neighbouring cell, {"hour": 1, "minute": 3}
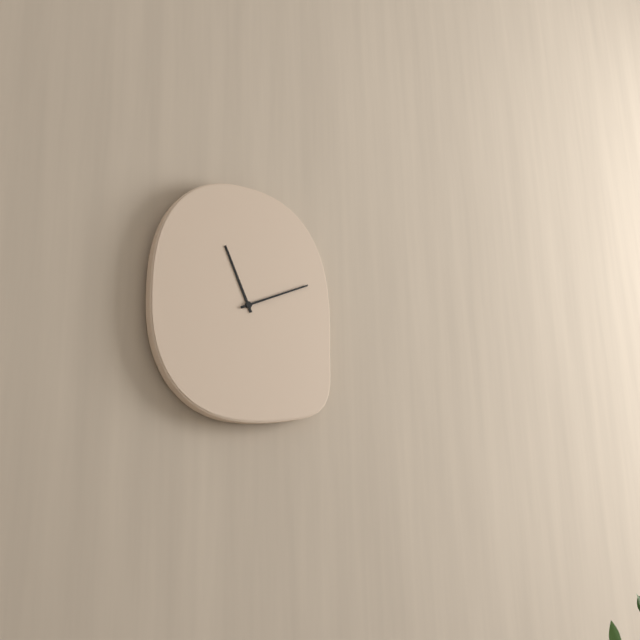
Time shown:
{"hour": 11, "minute": 11}
